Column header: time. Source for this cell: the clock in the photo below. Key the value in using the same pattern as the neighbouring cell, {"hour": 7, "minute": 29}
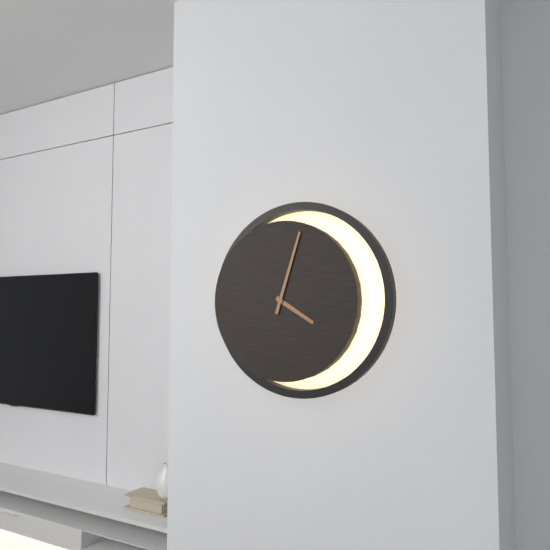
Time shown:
{"hour": 4, "minute": 3}
